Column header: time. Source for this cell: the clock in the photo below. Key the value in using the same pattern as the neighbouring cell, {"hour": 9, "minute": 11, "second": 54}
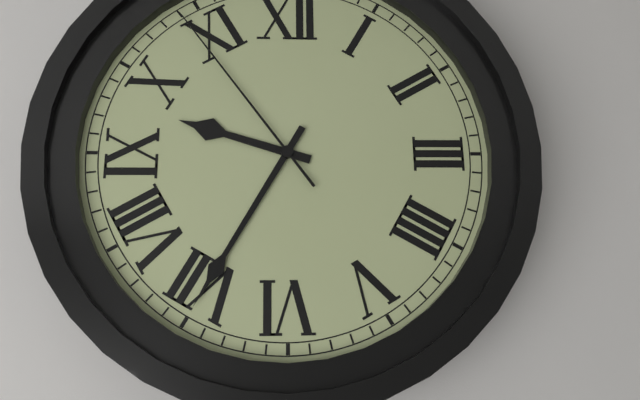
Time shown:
{"hour": 9, "minute": 35, "second": 54}
